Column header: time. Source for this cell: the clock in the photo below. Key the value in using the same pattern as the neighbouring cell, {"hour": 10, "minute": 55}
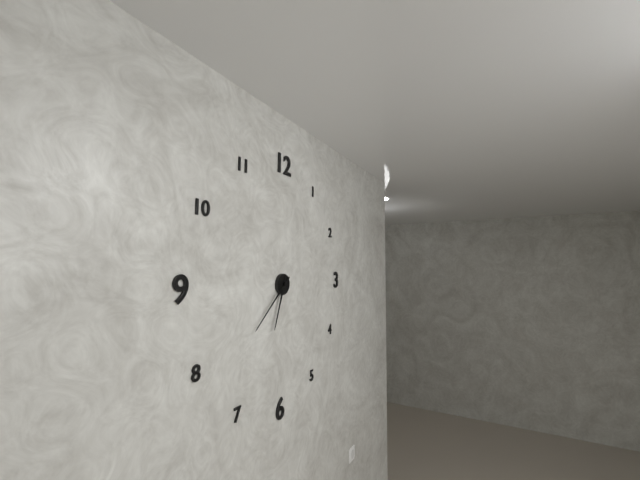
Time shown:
{"hour": 6, "minute": 38}
